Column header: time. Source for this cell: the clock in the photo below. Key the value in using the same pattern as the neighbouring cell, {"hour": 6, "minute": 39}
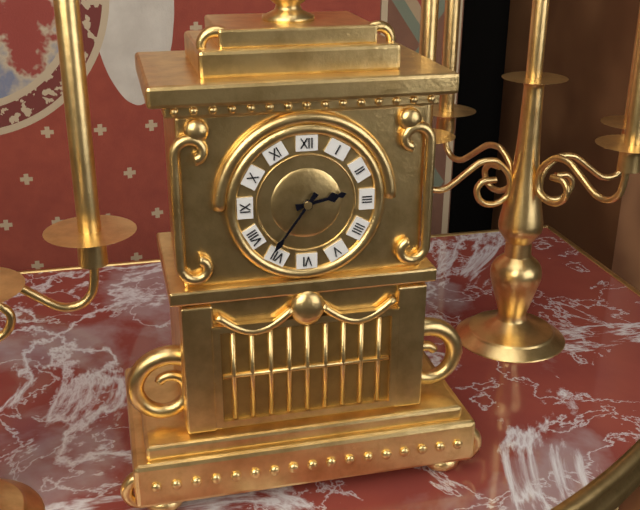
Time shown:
{"hour": 2, "minute": 36}
